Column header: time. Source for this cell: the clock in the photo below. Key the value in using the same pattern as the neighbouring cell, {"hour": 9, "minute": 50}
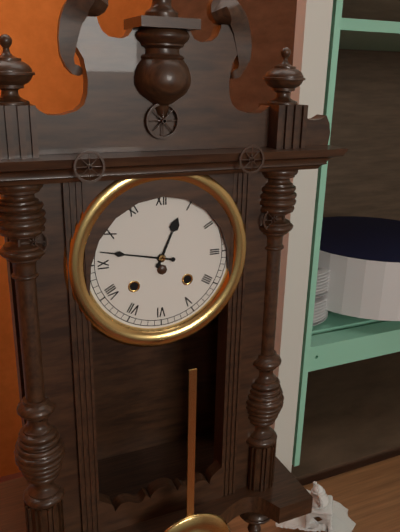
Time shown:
{"hour": 12, "minute": 47}
